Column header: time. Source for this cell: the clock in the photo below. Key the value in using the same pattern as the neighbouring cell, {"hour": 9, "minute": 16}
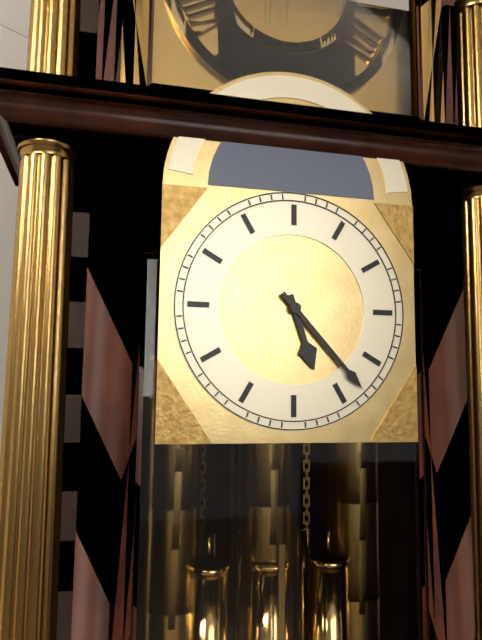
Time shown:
{"hour": 5, "minute": 23}
